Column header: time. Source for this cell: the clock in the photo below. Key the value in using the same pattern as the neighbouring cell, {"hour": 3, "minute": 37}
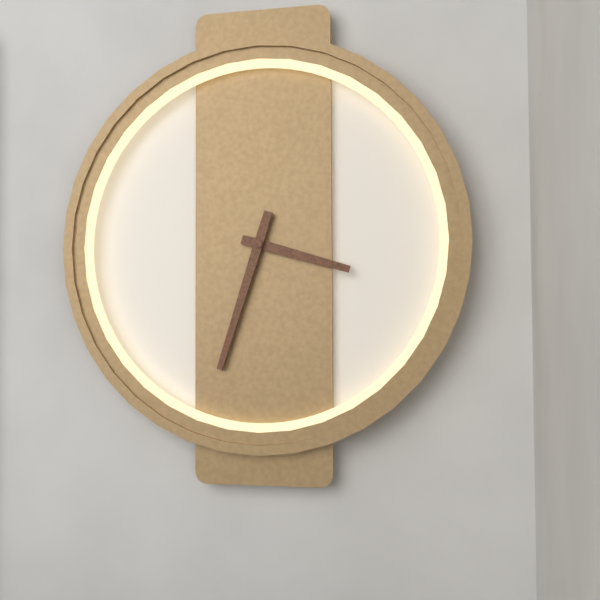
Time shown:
{"hour": 3, "minute": 33}
